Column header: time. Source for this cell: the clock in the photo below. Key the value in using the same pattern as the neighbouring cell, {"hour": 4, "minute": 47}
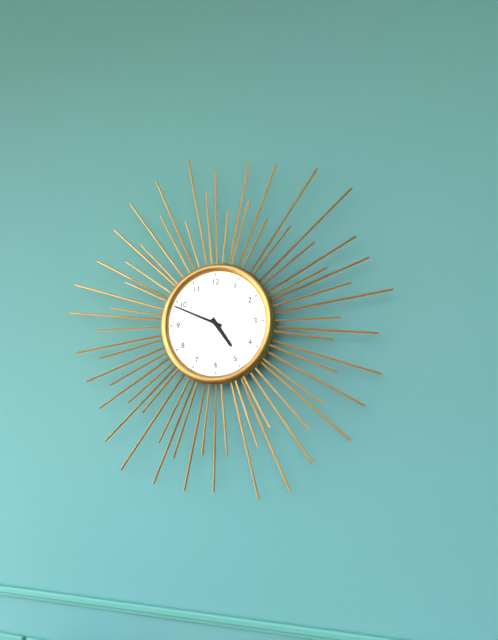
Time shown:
{"hour": 4, "minute": 49}
